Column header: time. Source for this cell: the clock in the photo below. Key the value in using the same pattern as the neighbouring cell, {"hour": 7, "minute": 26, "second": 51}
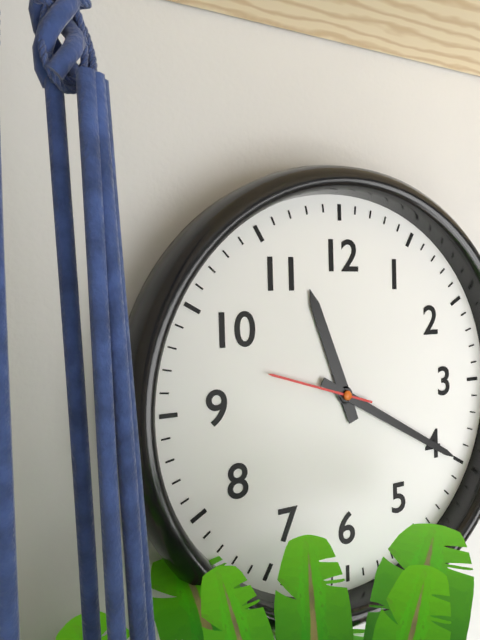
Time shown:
{"hour": 11, "minute": 20, "second": 48}
